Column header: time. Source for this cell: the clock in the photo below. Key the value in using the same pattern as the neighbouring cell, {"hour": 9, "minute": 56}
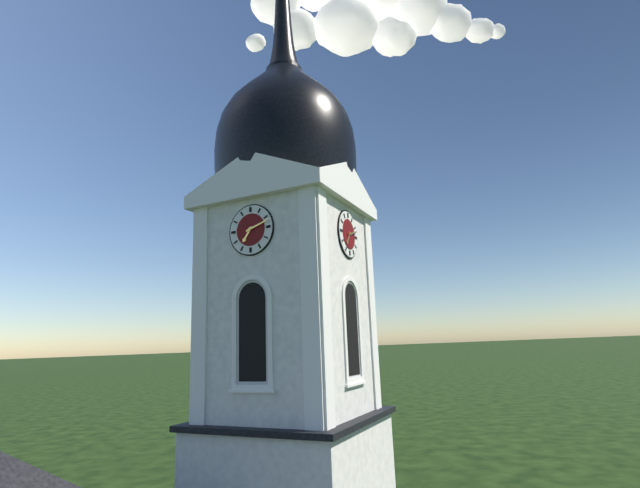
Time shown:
{"hour": 7, "minute": 12}
